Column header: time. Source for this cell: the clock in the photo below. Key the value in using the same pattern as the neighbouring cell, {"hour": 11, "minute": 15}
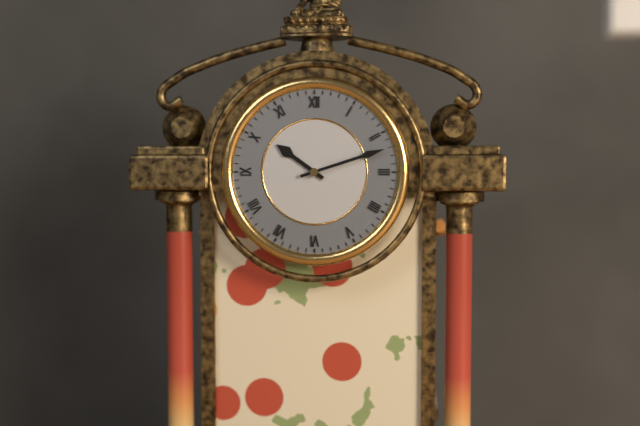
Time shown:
{"hour": 10, "minute": 12}
